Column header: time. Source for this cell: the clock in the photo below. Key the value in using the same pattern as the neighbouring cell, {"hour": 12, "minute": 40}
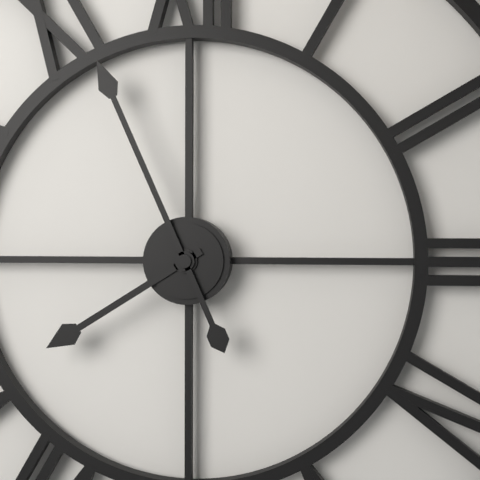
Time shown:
{"hour": 7, "minute": 56}
